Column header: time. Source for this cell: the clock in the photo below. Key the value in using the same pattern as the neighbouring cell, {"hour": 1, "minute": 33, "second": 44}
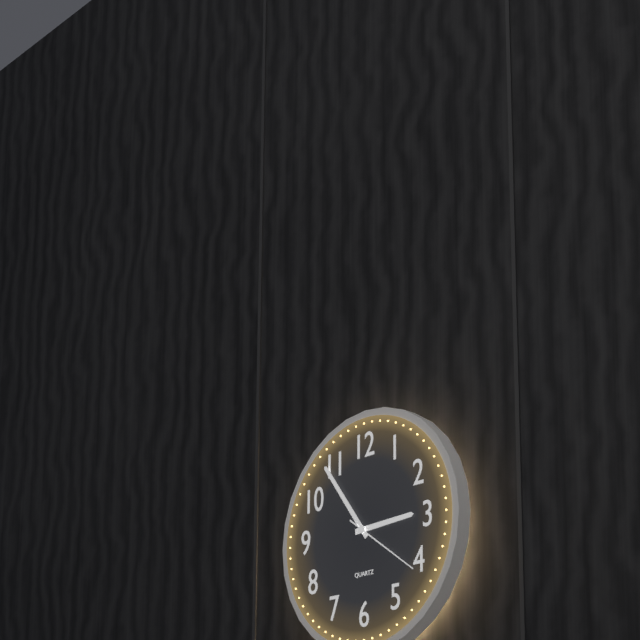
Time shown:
{"hour": 2, "minute": 54, "second": 21}
